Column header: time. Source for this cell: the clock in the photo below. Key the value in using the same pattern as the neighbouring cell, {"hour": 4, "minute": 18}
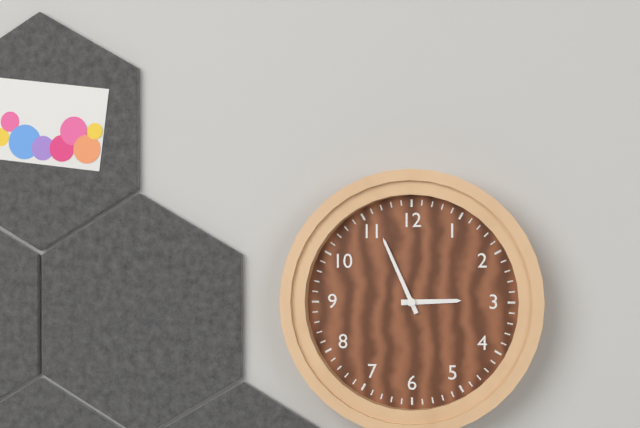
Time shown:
{"hour": 2, "minute": 56}
